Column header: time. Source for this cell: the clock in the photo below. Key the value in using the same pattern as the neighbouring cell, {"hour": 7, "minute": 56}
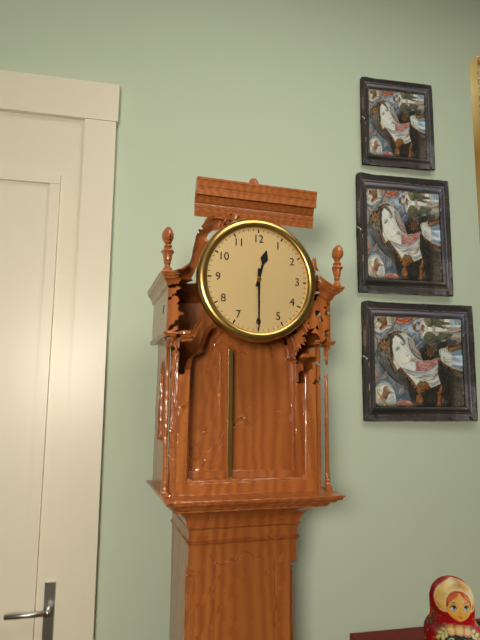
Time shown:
{"hour": 12, "minute": 30}
